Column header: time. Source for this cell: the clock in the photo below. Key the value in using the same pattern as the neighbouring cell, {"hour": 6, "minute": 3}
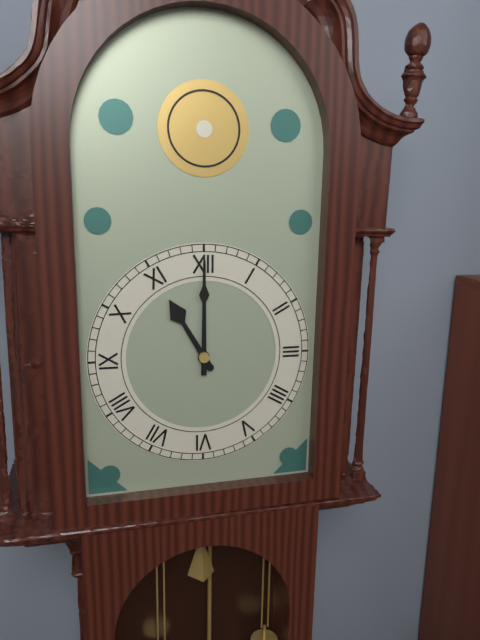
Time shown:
{"hour": 11, "minute": 0}
